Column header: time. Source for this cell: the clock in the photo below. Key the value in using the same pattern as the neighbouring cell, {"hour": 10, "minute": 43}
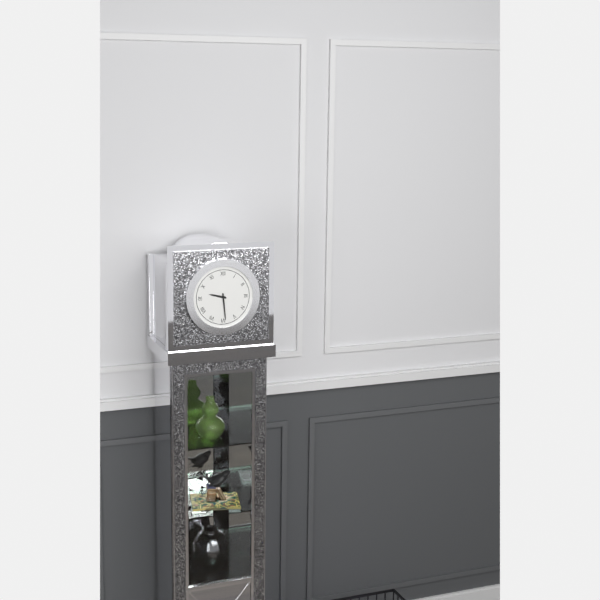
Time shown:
{"hour": 9, "minute": 29}
